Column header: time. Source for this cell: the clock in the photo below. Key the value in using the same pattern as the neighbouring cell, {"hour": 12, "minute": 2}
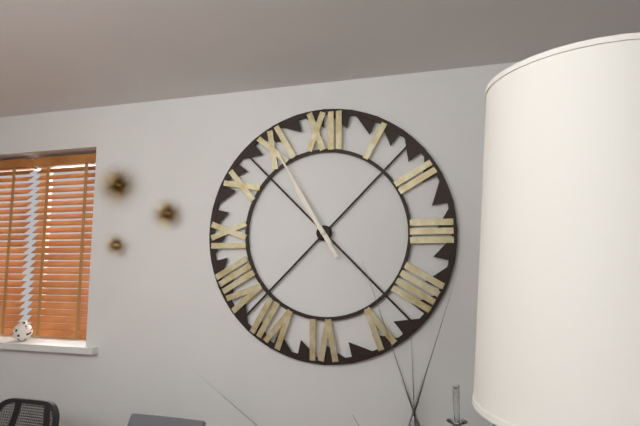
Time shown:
{"hour": 10, "minute": 55}
